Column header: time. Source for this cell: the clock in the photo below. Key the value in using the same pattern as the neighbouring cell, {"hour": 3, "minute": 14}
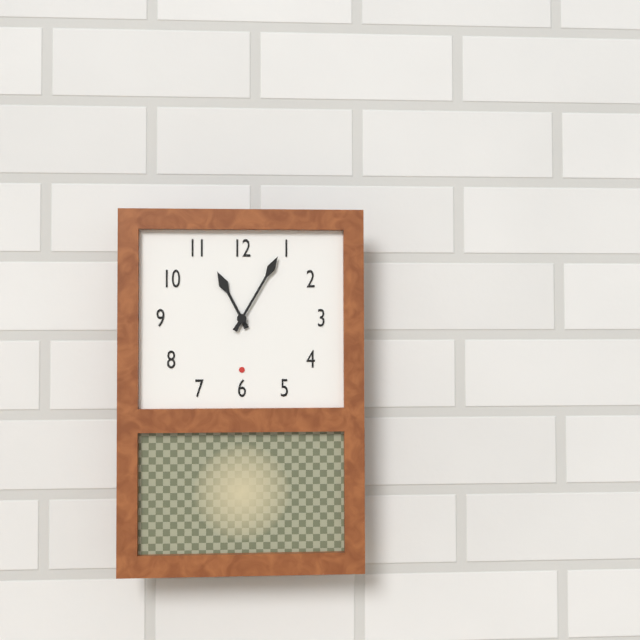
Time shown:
{"hour": 11, "minute": 5}
